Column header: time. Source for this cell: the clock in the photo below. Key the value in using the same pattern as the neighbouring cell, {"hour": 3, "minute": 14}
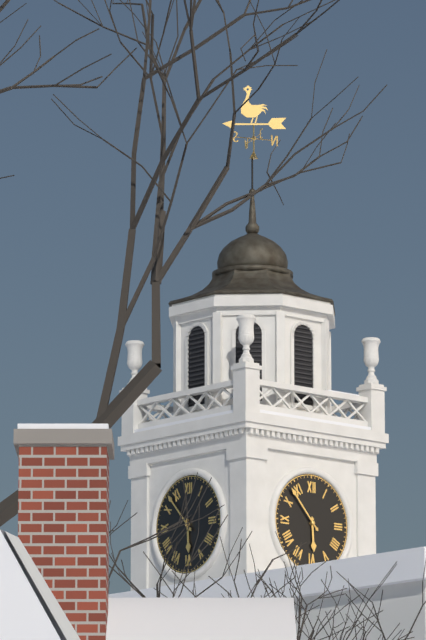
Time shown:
{"hour": 5, "minute": 53}
